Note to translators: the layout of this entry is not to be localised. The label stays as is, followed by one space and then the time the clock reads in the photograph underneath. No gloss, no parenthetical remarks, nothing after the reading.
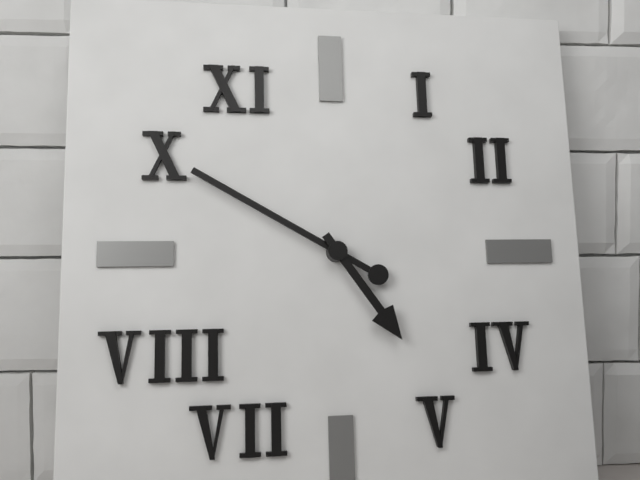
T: 4:50
